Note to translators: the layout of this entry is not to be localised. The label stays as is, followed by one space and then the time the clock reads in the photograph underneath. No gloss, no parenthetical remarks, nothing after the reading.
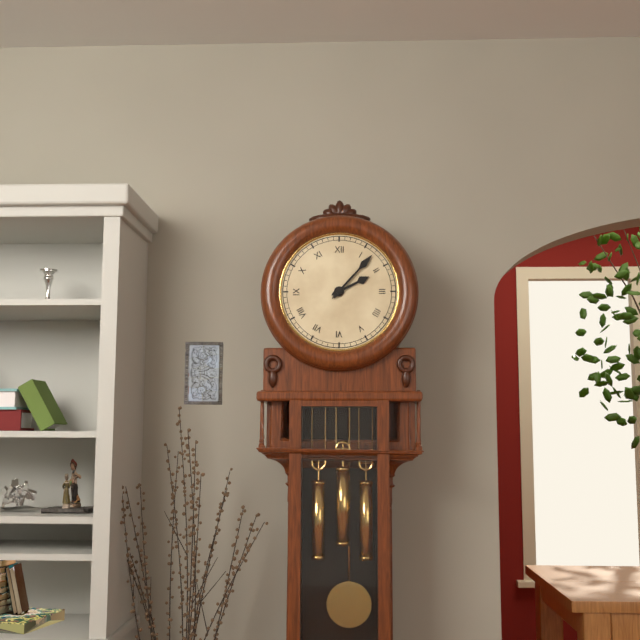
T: 2:07
